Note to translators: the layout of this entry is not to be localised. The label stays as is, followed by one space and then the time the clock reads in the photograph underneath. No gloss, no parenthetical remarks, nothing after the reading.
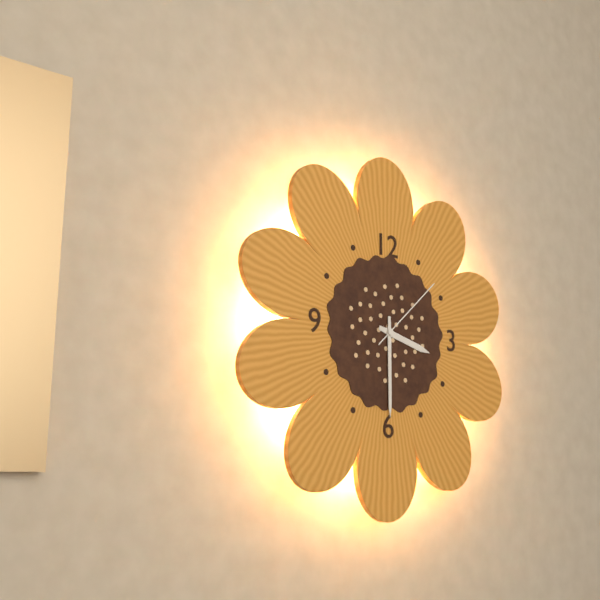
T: 3:30:08
